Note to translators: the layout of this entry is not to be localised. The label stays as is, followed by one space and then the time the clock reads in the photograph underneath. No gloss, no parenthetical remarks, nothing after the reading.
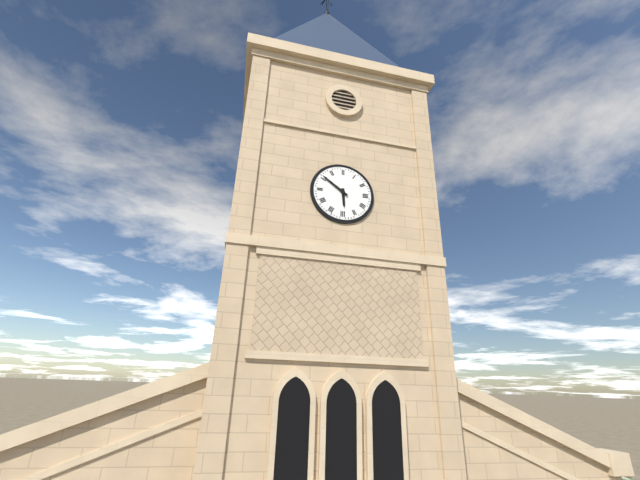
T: 5:51
